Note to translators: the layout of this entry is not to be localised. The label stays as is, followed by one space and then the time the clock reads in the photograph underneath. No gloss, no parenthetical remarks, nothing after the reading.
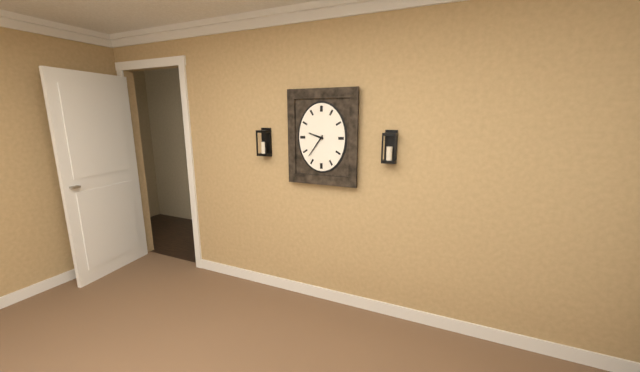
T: 9:36
